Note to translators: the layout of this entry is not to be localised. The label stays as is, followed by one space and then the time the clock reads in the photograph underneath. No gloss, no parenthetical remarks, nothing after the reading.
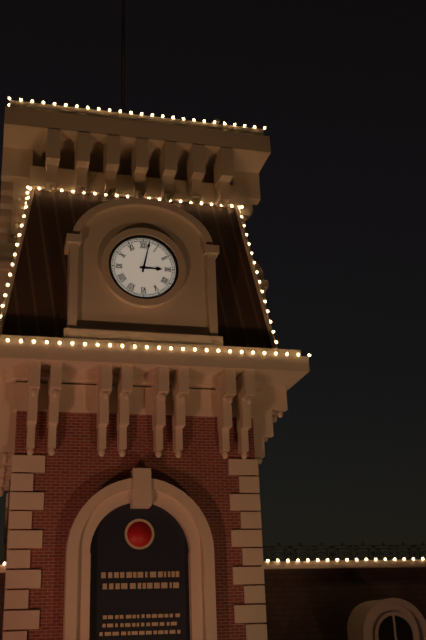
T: 3:02
